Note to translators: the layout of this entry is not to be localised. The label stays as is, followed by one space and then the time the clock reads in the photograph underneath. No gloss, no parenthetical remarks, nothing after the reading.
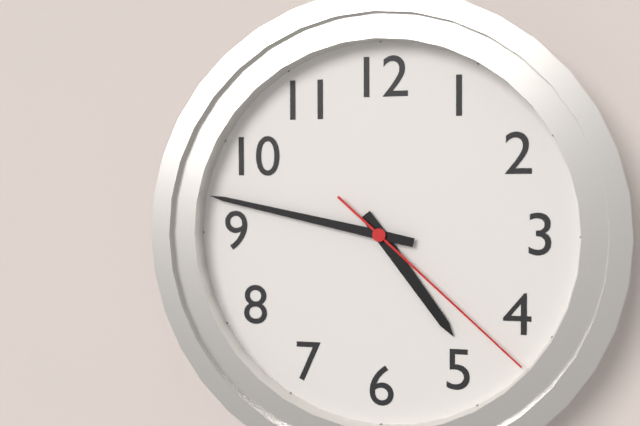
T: 4:47:22
